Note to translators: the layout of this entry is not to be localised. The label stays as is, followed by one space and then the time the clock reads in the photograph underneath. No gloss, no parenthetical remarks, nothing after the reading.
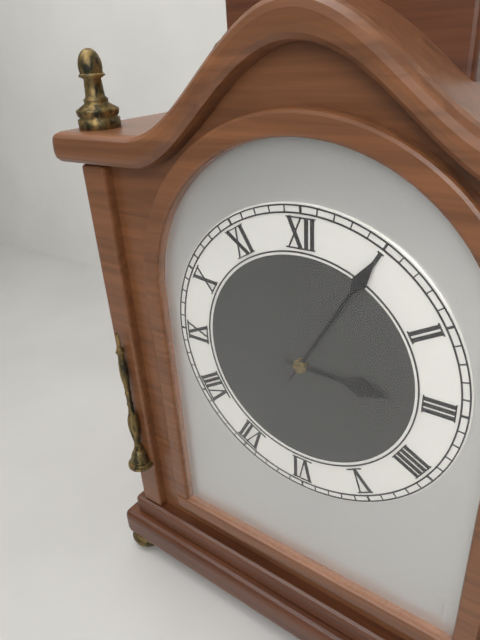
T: 3:05
